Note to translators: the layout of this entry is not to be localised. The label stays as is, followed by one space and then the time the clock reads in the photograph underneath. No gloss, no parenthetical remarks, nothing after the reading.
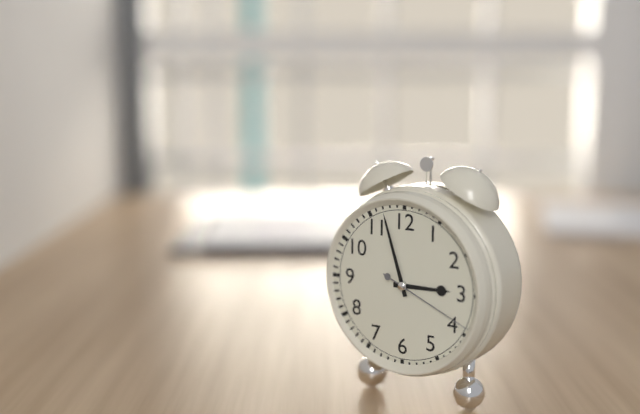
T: 2:57:19
